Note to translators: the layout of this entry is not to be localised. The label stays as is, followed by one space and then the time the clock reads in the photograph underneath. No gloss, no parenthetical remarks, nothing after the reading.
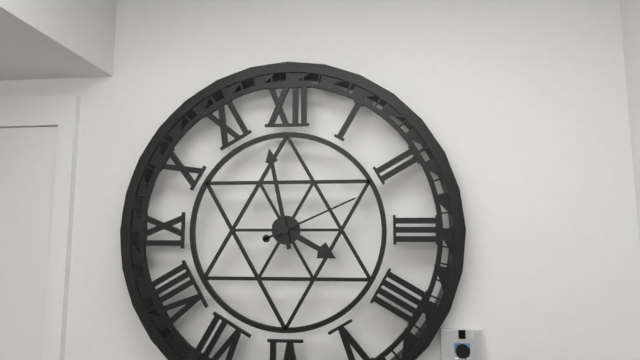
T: 3:58:11
